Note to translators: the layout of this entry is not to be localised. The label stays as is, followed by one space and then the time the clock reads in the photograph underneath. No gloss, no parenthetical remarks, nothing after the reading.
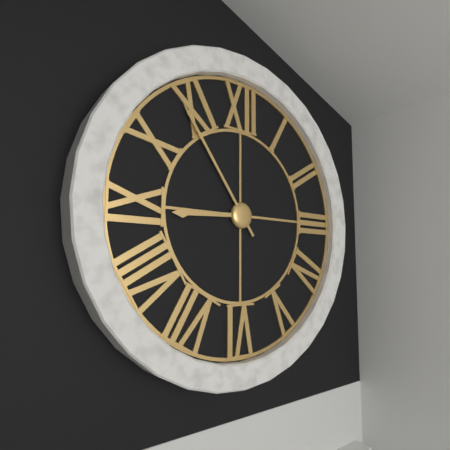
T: 8:54
